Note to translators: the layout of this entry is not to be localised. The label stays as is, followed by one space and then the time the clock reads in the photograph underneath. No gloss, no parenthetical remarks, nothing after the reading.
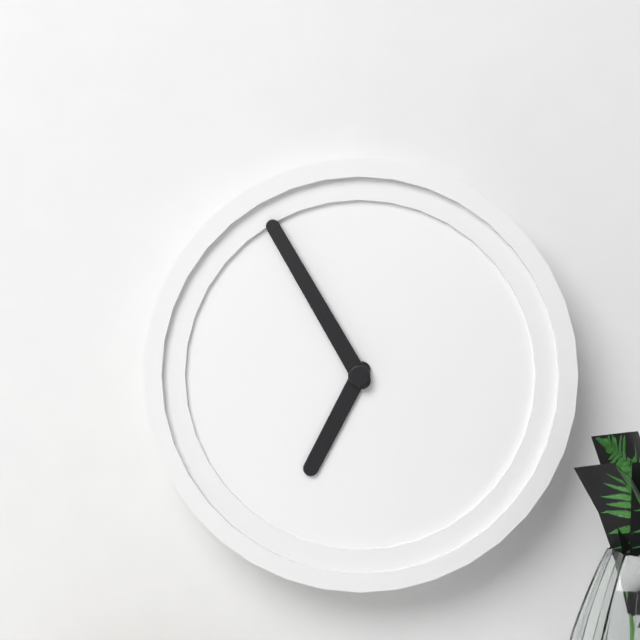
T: 6:55
